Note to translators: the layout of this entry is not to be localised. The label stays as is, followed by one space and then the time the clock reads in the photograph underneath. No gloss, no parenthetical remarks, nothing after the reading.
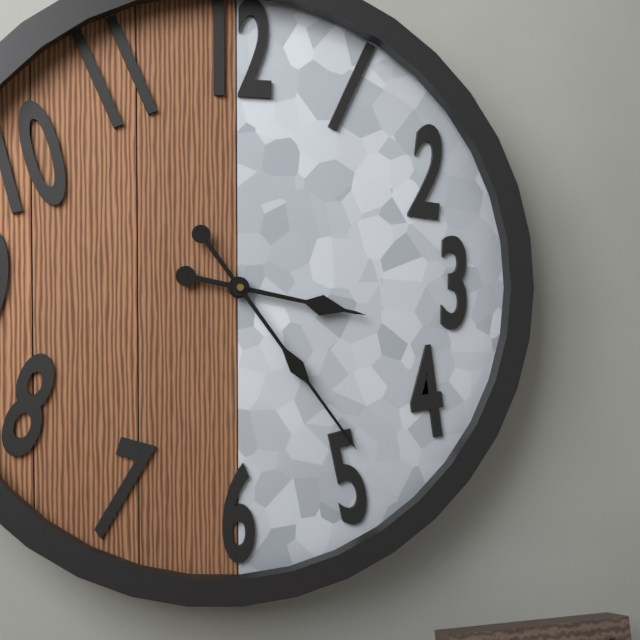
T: 3:24
